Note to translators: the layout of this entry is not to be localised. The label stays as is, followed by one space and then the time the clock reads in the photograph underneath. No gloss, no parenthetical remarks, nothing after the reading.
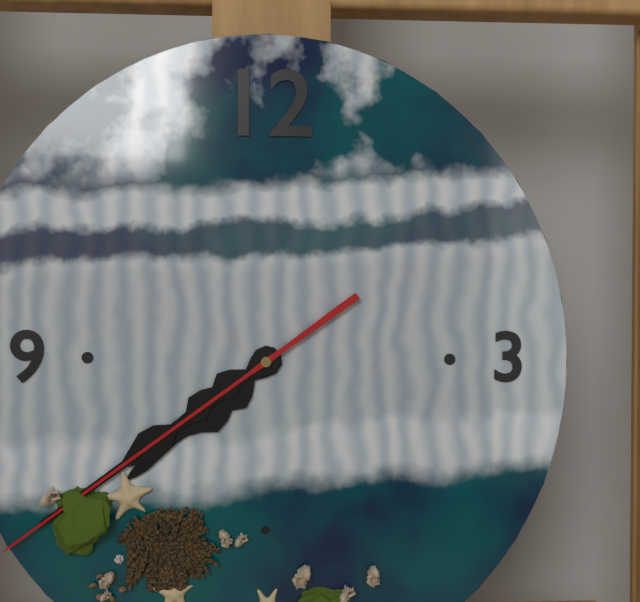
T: 7:39:39
